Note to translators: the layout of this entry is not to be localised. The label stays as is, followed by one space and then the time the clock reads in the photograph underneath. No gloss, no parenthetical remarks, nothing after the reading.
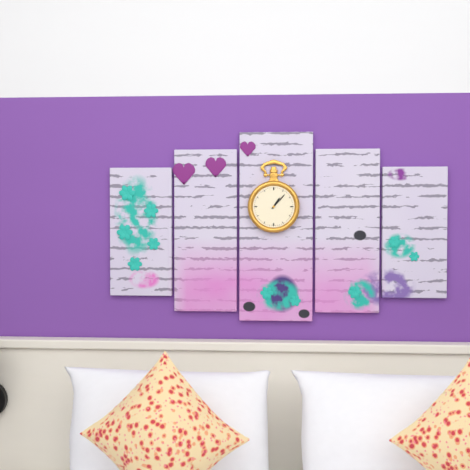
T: 1:07
